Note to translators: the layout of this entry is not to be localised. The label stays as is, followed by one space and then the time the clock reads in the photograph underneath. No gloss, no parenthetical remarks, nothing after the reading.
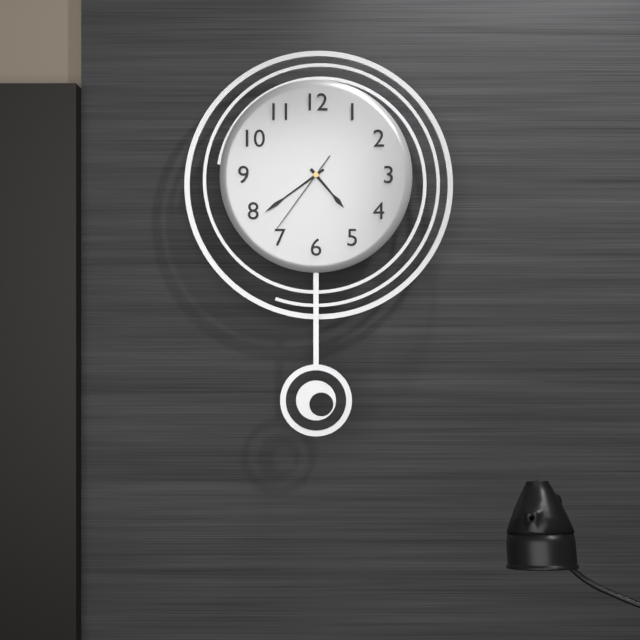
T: 4:39:36
